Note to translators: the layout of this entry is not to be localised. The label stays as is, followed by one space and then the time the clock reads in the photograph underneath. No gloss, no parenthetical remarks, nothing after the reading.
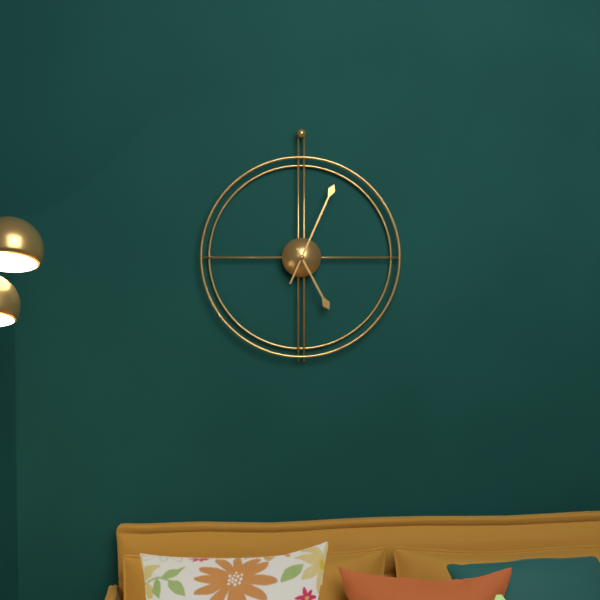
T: 5:04
